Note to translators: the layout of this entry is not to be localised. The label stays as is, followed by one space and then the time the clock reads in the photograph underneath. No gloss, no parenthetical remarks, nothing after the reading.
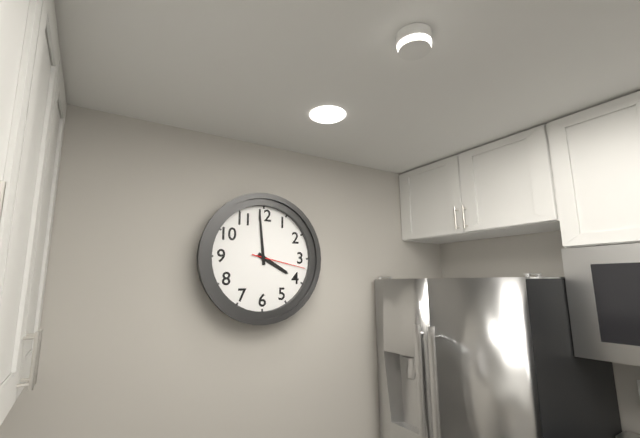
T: 3:59:17
